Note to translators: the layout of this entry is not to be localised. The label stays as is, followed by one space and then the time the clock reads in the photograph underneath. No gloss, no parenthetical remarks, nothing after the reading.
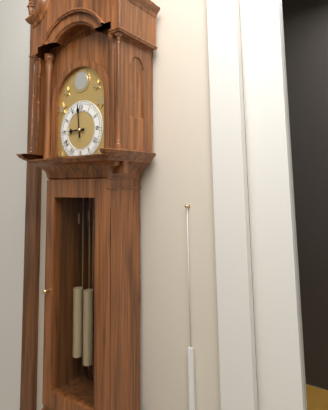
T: 8:59
